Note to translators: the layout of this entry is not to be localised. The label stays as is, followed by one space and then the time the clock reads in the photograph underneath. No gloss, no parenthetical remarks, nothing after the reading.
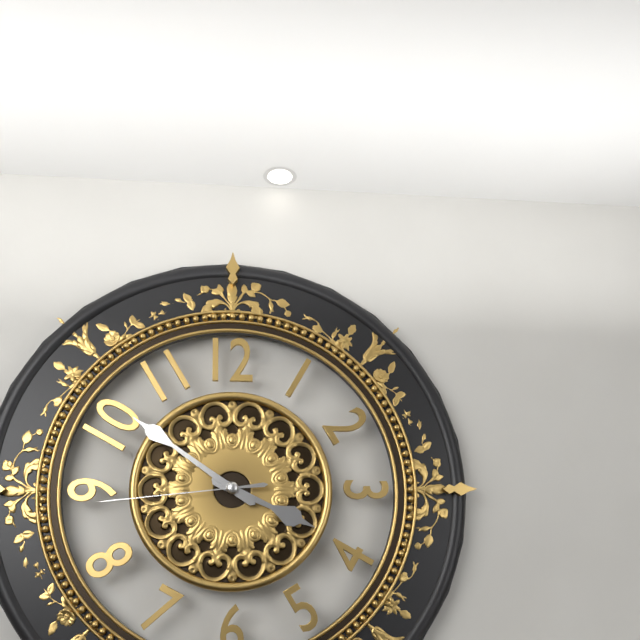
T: 3:51:44
